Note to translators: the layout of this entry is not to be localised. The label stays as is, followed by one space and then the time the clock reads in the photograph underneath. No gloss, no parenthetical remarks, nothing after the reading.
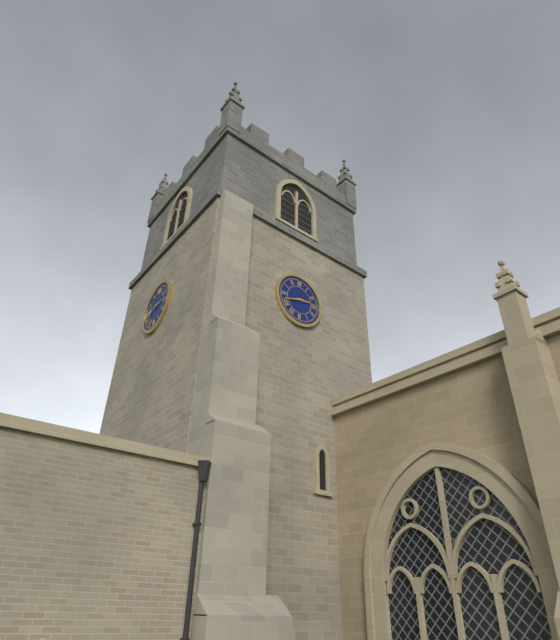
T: 2:42
